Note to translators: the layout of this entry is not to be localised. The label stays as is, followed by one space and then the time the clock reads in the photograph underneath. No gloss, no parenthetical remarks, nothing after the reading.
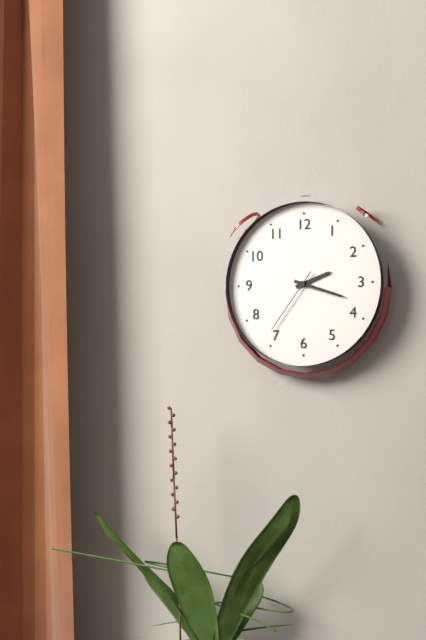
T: 2:18:36
